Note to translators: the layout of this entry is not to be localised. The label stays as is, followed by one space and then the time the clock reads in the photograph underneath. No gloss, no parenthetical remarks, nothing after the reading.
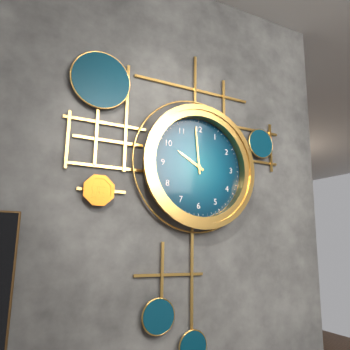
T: 9:59
